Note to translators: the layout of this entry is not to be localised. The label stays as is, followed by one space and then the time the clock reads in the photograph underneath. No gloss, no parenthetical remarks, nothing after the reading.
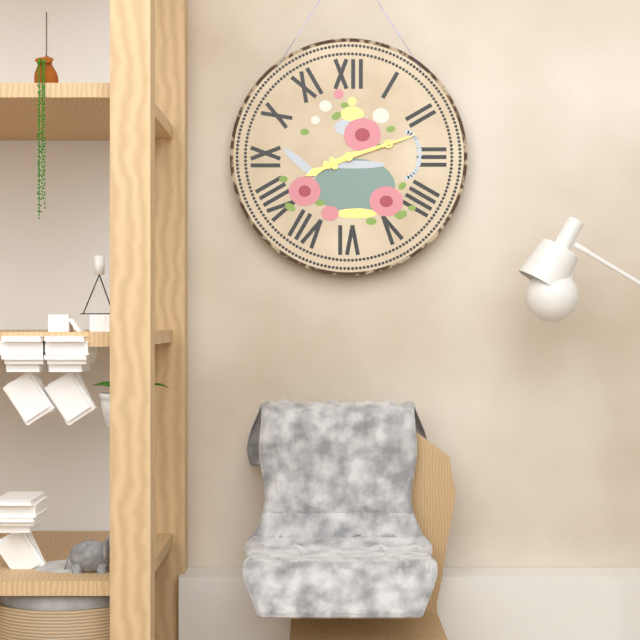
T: 8:12
